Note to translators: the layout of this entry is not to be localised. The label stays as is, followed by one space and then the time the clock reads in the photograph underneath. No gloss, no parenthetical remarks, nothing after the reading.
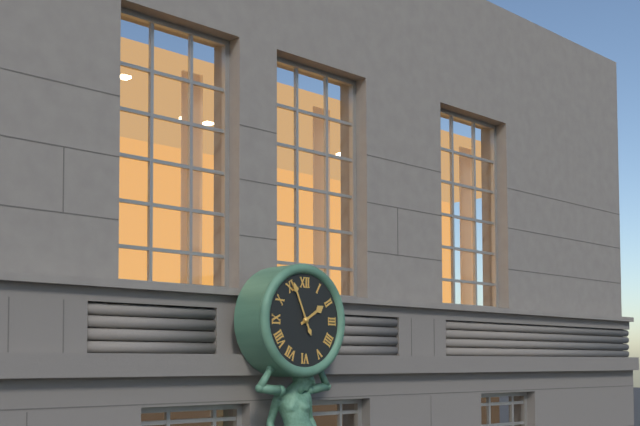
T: 1:56
